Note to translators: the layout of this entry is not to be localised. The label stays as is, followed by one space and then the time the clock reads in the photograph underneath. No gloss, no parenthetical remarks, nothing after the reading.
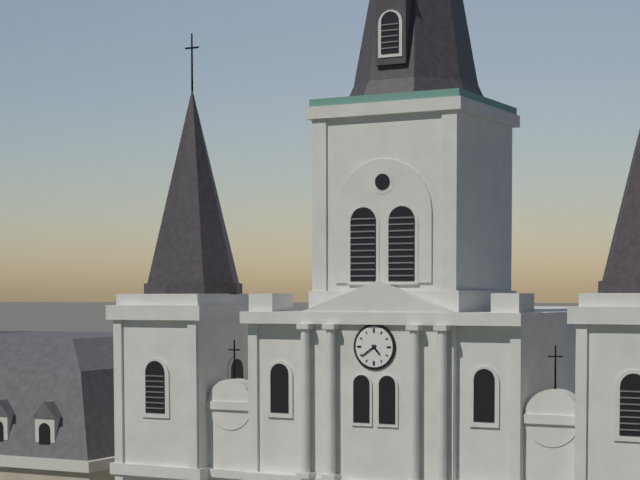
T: 4:39
